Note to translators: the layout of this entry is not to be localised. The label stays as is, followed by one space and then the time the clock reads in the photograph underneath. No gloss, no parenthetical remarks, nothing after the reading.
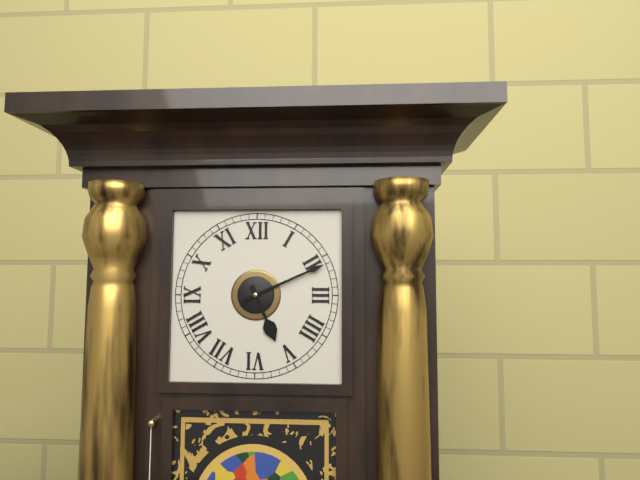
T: 5:11
